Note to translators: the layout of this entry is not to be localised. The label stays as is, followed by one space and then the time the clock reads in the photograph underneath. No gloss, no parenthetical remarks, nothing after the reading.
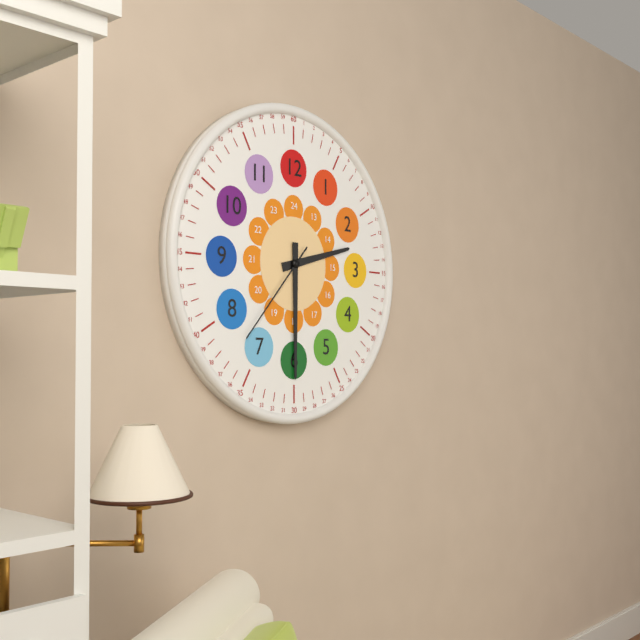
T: 2:30:37
